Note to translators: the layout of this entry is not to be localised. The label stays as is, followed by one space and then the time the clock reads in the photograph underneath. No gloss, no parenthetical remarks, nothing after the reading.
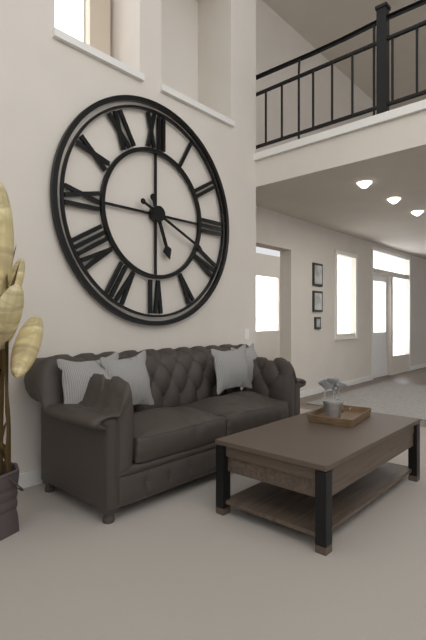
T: 5:19
